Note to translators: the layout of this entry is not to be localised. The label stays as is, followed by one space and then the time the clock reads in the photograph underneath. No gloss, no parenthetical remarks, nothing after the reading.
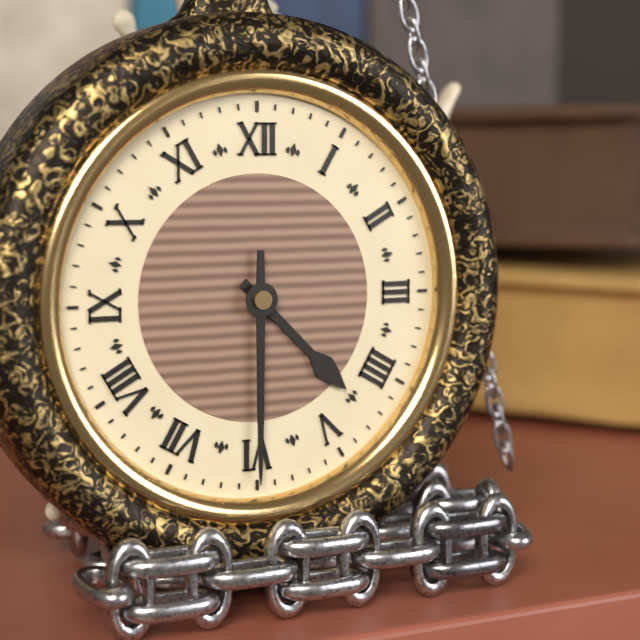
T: 4:30
